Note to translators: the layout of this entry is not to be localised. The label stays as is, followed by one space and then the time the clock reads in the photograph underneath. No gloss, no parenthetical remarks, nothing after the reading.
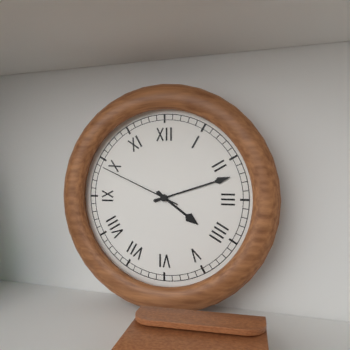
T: 4:12:49
